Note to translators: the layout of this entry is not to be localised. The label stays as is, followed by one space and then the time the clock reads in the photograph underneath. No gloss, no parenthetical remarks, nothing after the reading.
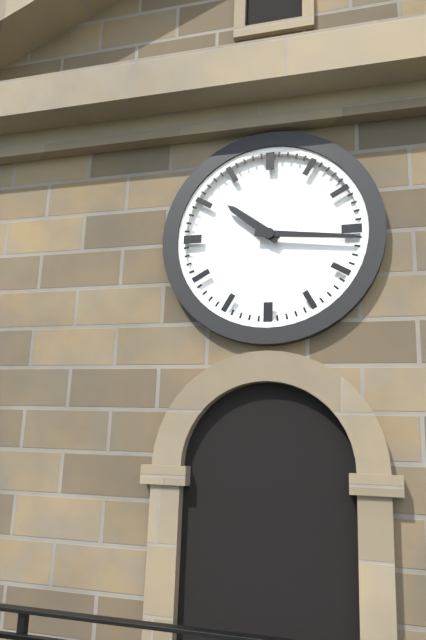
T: 10:16
